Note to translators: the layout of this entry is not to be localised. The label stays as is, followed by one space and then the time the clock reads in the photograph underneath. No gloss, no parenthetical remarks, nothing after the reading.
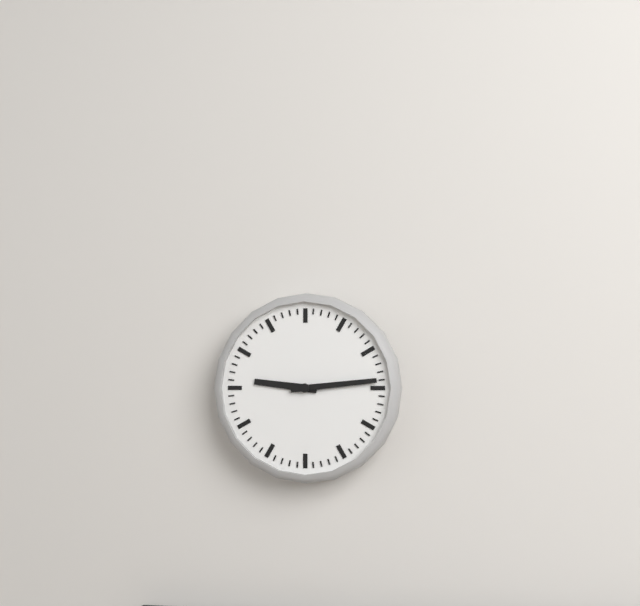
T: 9:14
